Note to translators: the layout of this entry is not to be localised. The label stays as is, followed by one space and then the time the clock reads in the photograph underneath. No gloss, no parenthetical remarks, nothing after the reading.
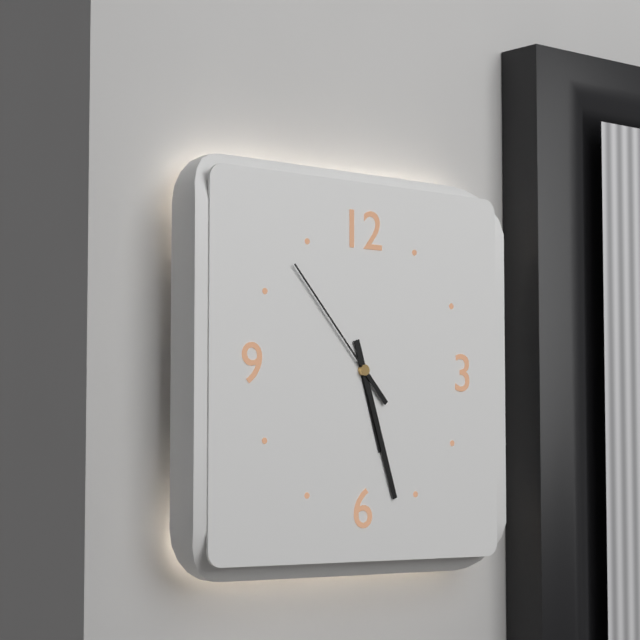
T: 5:27:53
